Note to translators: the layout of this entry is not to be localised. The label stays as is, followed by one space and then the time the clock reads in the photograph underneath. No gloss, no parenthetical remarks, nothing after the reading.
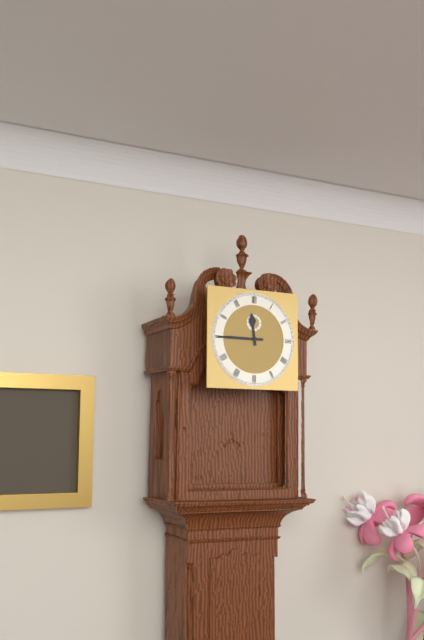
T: 11:45
